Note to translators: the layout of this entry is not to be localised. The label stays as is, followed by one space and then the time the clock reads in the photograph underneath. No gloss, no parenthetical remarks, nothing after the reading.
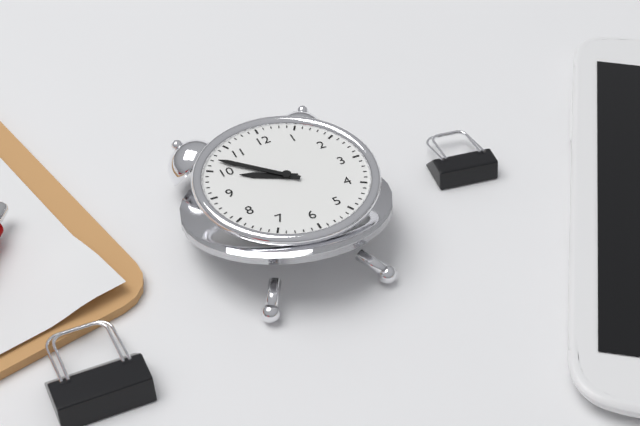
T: 9:52
